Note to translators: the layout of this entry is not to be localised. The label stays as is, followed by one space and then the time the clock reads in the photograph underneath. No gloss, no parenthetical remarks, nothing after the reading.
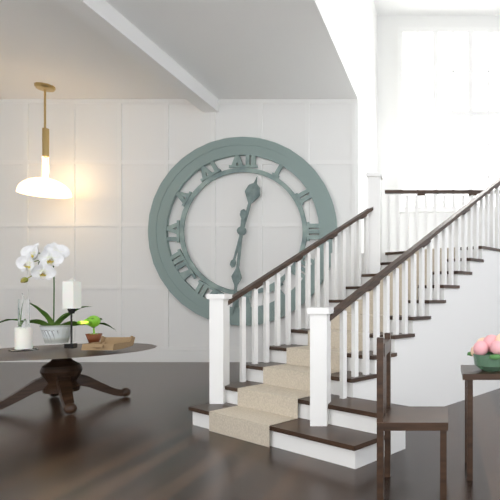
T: 12:31
